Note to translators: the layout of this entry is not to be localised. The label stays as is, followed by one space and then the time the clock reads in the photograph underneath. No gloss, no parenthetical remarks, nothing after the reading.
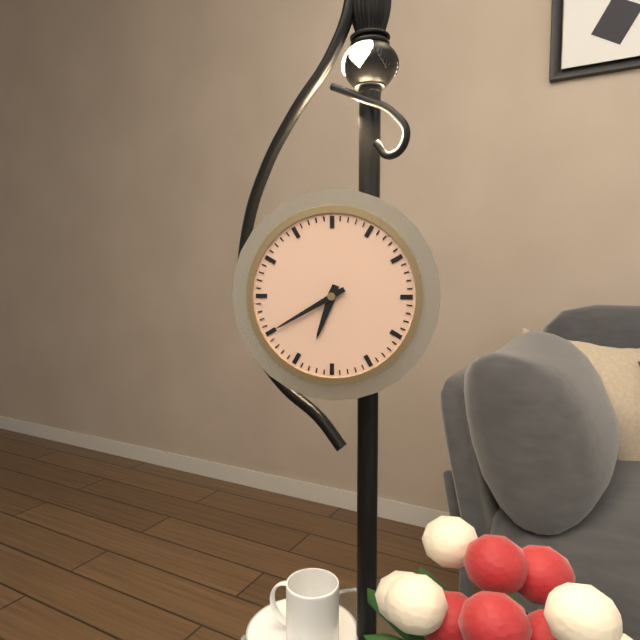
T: 6:40
